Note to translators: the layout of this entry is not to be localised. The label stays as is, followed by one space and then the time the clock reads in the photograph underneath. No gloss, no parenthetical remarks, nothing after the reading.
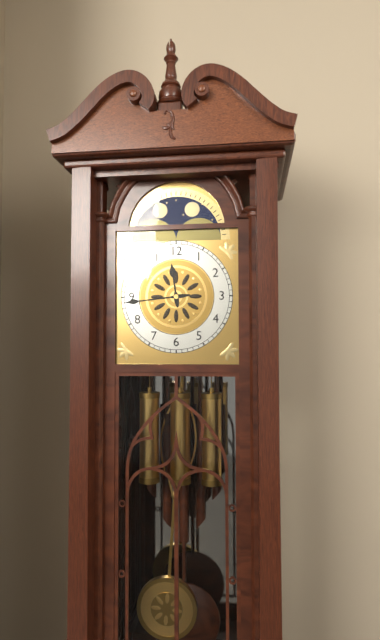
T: 11:44
